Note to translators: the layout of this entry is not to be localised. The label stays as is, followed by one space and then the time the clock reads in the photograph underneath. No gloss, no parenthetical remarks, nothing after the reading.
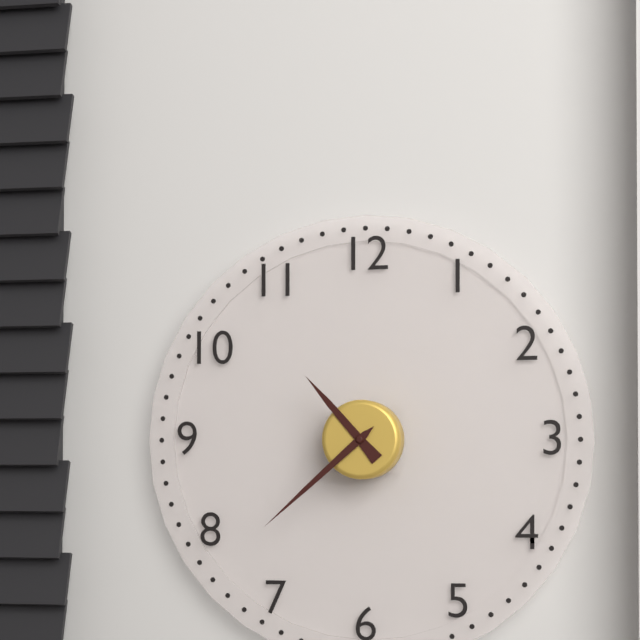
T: 10:38
